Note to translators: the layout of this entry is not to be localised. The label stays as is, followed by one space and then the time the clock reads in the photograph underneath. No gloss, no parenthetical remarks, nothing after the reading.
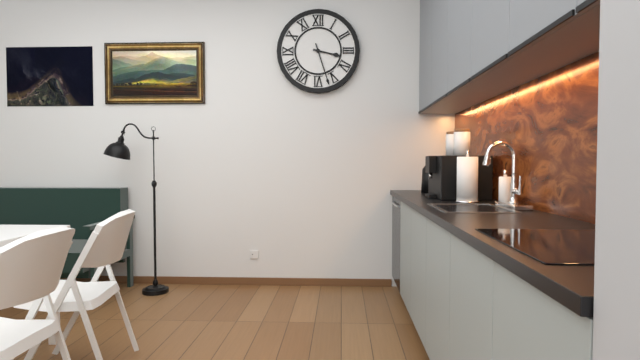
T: 3:27
